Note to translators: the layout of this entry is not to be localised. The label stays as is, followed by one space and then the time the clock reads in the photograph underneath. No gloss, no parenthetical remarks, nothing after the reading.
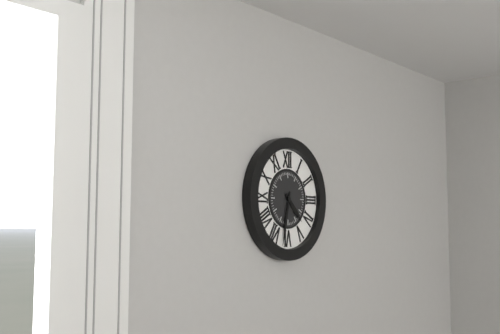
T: 4:32
